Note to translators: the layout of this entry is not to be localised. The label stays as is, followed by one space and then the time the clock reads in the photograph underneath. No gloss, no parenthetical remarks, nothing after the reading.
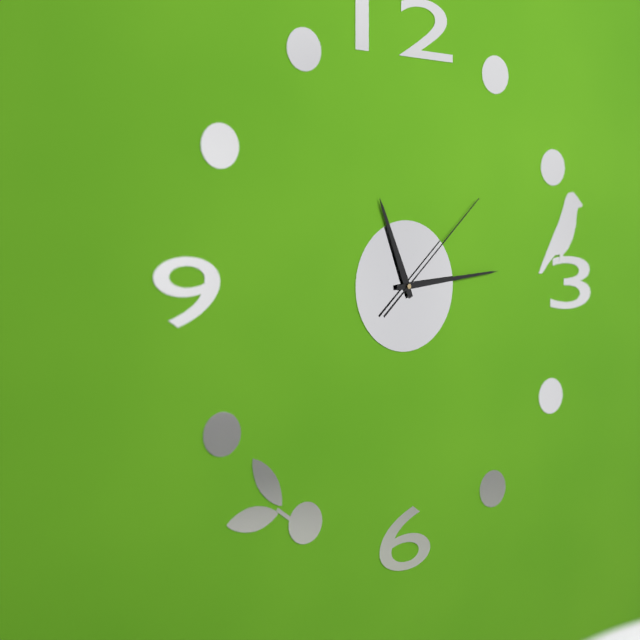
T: 11:14:08
